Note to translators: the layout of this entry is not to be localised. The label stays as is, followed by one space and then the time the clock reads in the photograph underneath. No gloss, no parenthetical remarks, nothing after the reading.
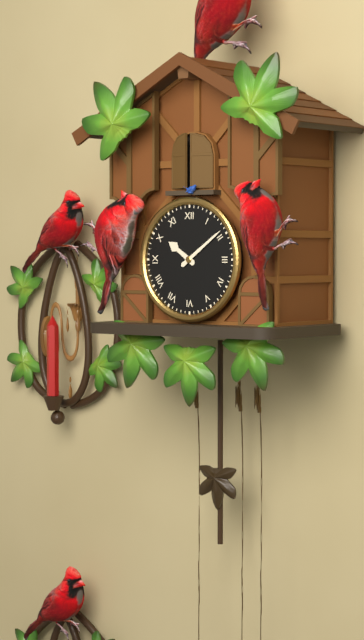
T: 10:09
